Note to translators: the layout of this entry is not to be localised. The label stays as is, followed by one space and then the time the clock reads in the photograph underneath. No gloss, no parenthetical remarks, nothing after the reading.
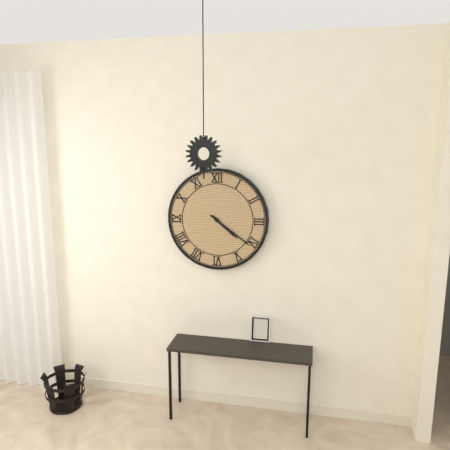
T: 4:21
